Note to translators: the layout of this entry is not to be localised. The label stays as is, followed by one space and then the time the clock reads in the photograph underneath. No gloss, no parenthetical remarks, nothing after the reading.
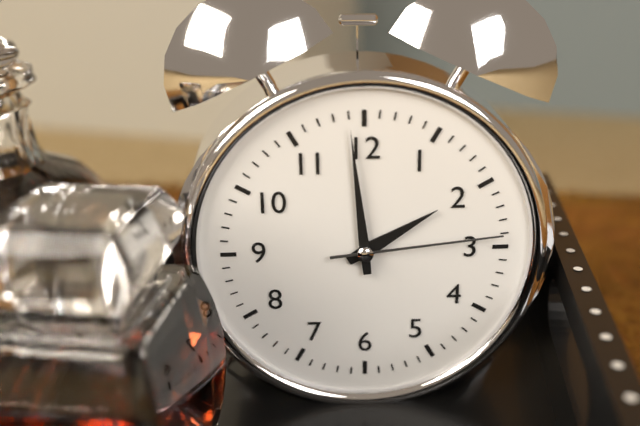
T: 1:59:14
